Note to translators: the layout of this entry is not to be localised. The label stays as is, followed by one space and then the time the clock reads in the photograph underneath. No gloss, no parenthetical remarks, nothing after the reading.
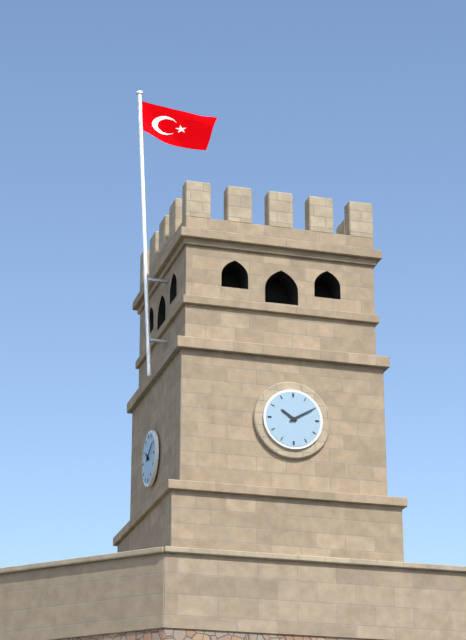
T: 10:10
